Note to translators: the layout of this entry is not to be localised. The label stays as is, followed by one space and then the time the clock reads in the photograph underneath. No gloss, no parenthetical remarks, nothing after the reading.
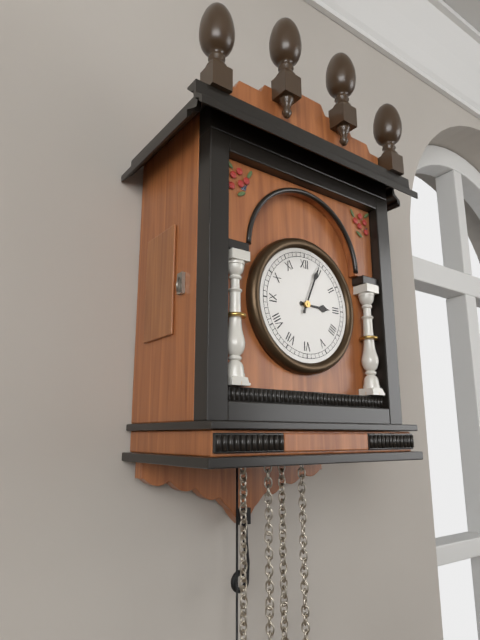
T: 3:04
